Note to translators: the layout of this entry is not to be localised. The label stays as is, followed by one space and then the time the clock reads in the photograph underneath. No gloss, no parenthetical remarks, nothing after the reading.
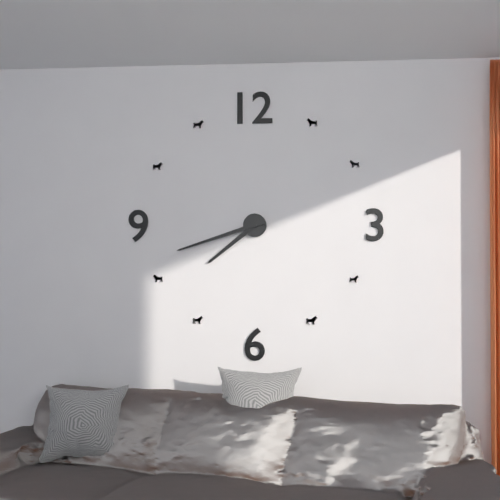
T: 7:42
